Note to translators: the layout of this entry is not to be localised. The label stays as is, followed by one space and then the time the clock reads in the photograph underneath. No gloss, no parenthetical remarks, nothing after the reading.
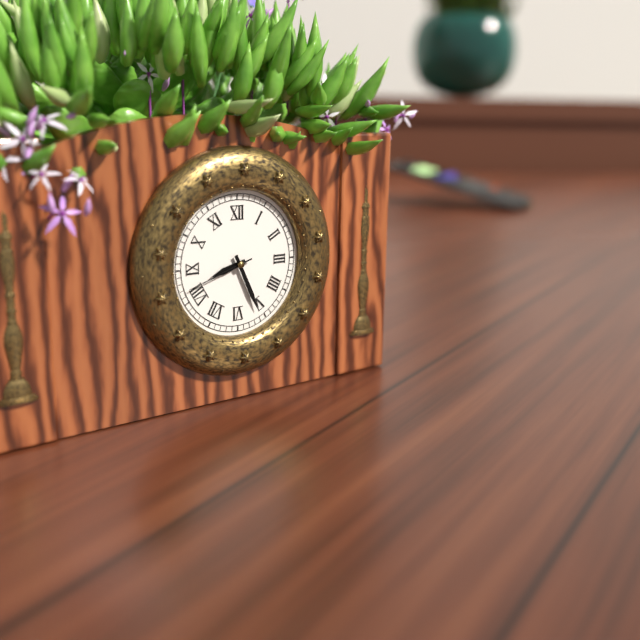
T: 8:26:42
